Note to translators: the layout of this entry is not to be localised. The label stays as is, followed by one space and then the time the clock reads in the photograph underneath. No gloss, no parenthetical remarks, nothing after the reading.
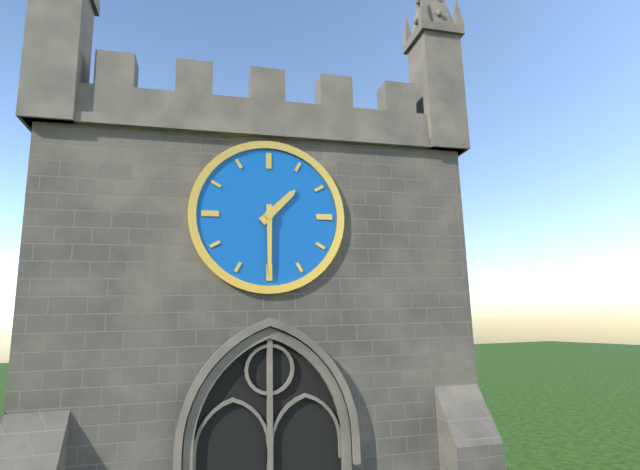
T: 1:30
